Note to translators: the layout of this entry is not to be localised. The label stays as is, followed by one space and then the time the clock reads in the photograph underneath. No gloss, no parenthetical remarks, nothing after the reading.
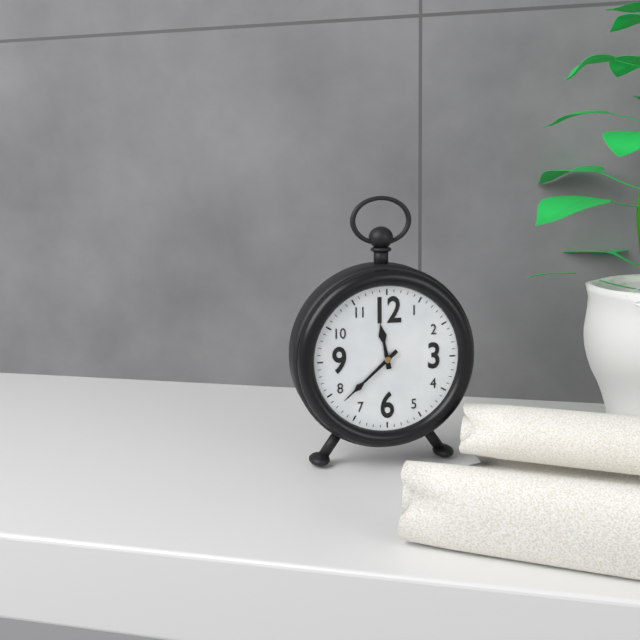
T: 11:38
